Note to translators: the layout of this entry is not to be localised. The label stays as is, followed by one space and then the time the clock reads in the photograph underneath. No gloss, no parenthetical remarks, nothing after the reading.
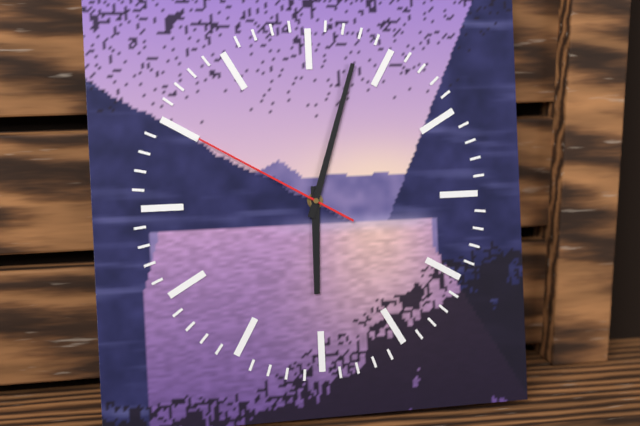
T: 6:03:50
